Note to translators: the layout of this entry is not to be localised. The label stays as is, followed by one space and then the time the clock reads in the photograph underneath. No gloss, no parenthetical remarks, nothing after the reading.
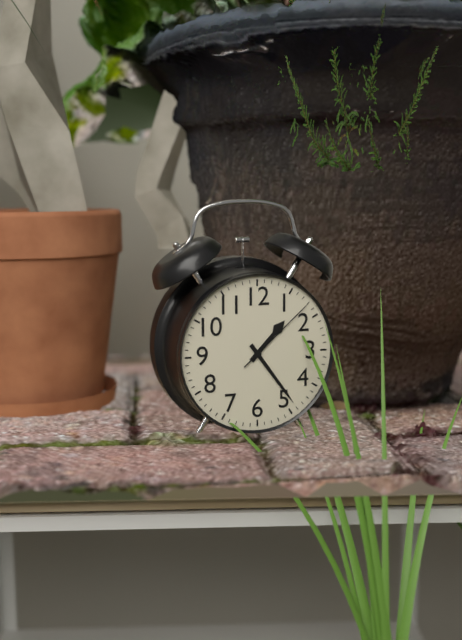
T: 1:24:08
